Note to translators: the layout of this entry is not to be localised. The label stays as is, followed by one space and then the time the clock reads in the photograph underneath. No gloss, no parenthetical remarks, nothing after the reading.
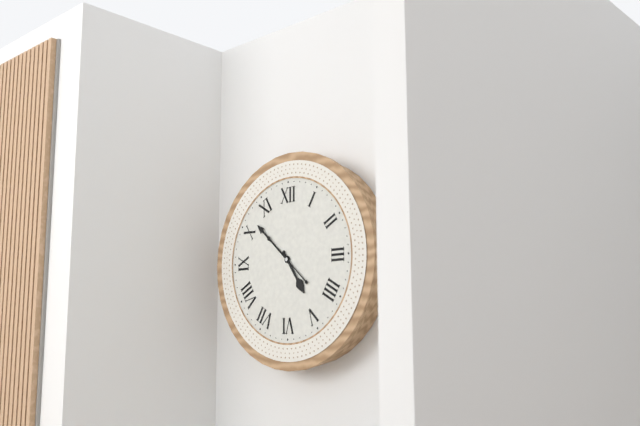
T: 4:52
